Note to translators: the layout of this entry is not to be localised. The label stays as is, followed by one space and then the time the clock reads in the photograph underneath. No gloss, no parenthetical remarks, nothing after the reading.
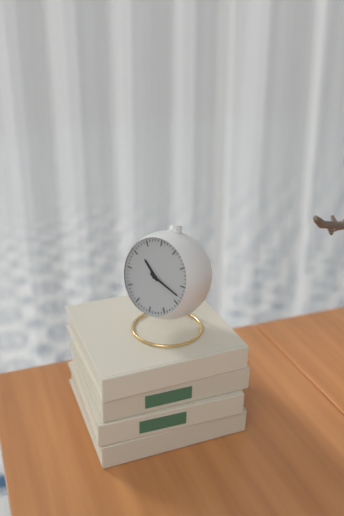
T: 10:18
